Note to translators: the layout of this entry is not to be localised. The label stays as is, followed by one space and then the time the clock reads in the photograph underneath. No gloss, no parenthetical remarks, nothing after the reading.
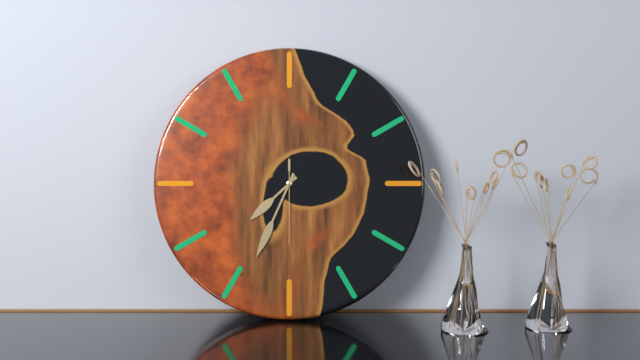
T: 7:34:30
